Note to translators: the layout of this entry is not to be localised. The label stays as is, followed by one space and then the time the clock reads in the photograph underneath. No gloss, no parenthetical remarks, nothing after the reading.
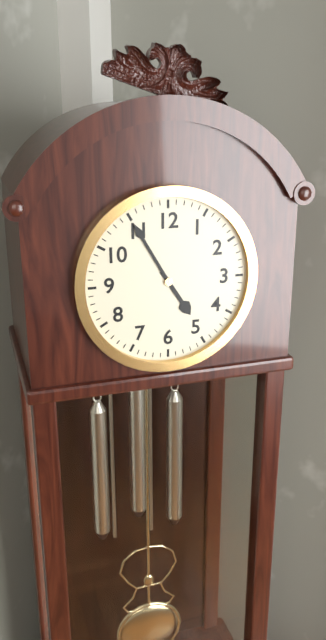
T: 4:55
